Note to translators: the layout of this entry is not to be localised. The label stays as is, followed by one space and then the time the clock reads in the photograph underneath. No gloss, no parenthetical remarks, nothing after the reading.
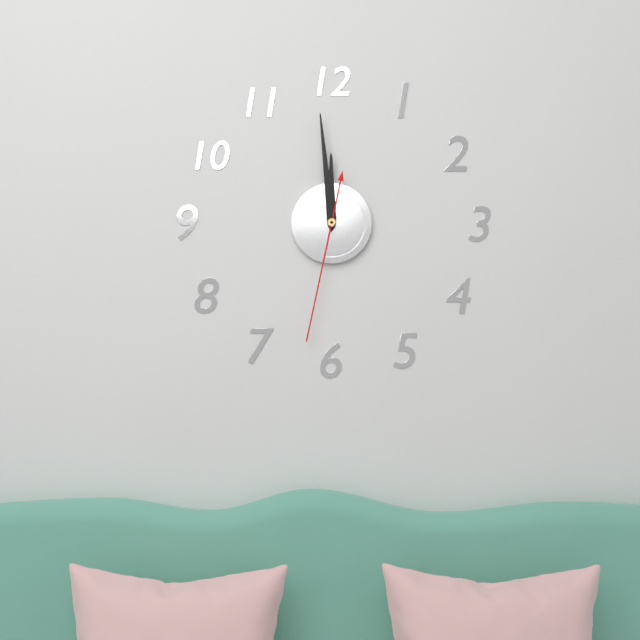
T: 11:59:32
